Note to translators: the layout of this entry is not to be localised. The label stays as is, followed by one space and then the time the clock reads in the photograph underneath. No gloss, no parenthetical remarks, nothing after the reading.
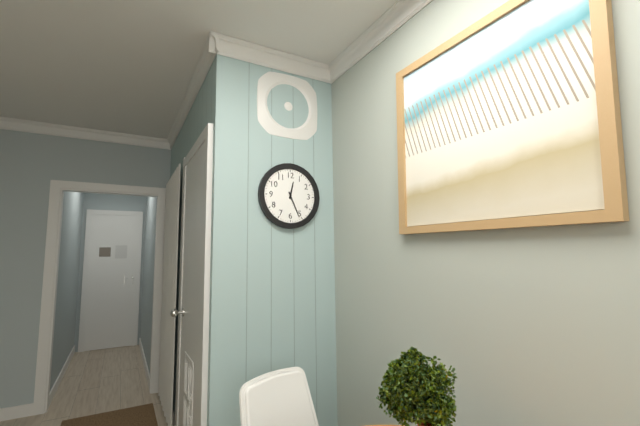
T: 12:26
